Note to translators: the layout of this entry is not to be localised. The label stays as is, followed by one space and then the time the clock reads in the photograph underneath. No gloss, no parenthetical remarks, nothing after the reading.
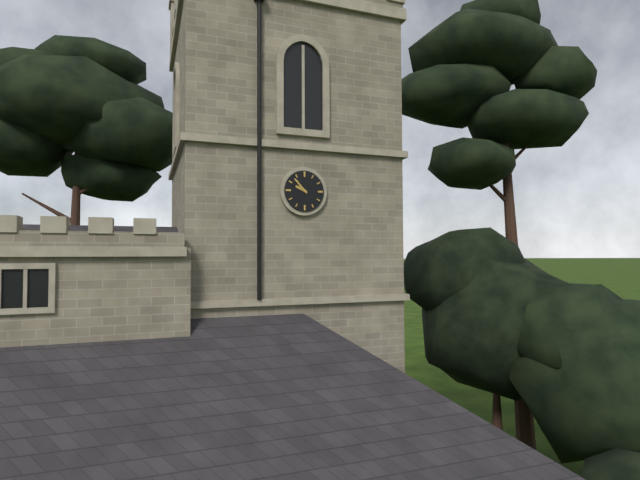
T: 9:53
